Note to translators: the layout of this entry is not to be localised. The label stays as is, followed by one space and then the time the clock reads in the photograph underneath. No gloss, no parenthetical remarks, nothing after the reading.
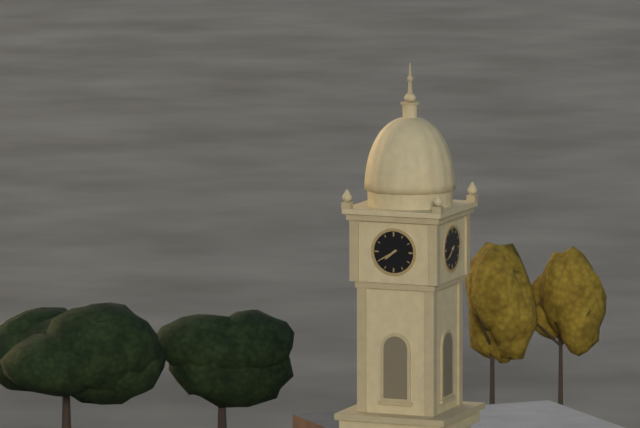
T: 7:40
